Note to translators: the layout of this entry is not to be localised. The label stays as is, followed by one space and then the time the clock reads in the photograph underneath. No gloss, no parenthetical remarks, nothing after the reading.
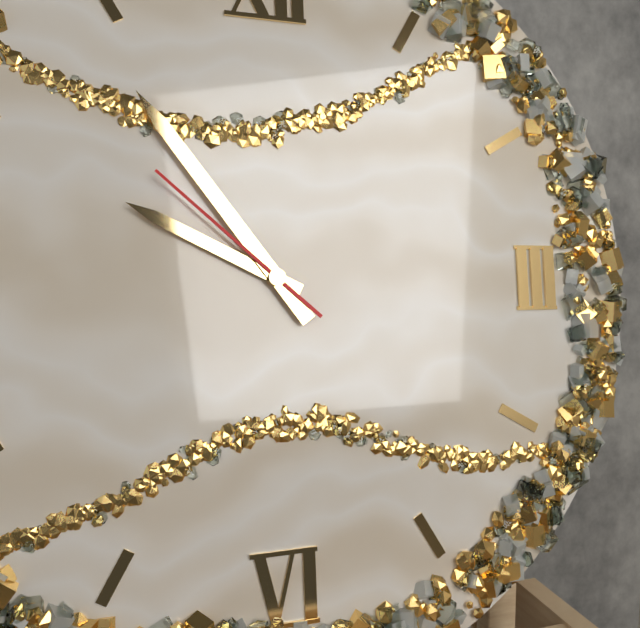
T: 9:54:52
